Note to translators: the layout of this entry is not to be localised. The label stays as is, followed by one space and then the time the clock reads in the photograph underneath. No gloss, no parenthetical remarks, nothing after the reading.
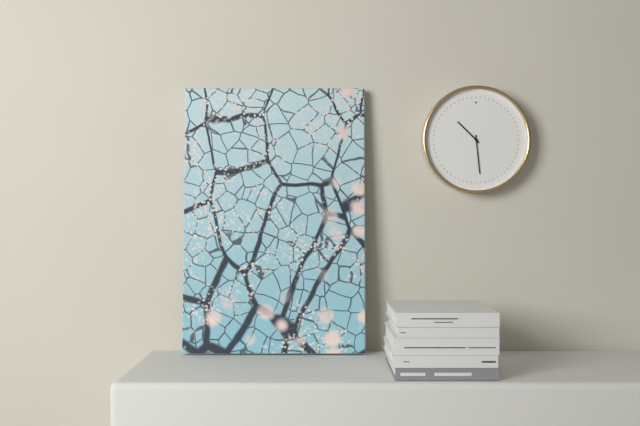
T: 10:29
